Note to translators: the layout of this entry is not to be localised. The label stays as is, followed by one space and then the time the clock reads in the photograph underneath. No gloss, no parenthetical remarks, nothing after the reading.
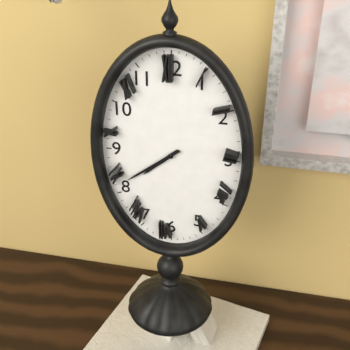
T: 7:39
